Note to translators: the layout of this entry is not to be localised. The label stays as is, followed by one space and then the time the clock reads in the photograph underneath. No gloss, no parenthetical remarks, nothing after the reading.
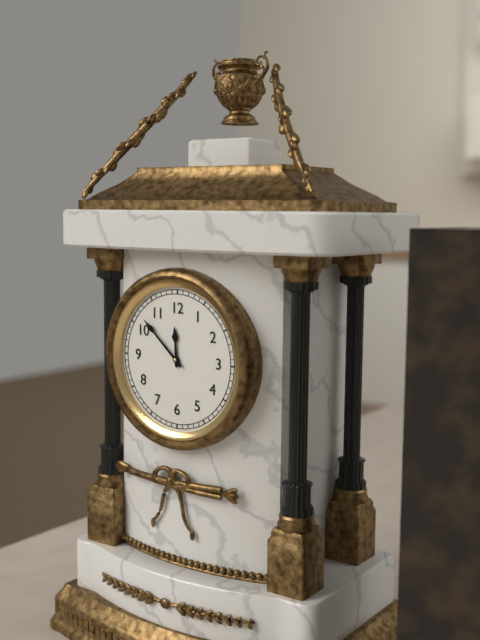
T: 11:52
